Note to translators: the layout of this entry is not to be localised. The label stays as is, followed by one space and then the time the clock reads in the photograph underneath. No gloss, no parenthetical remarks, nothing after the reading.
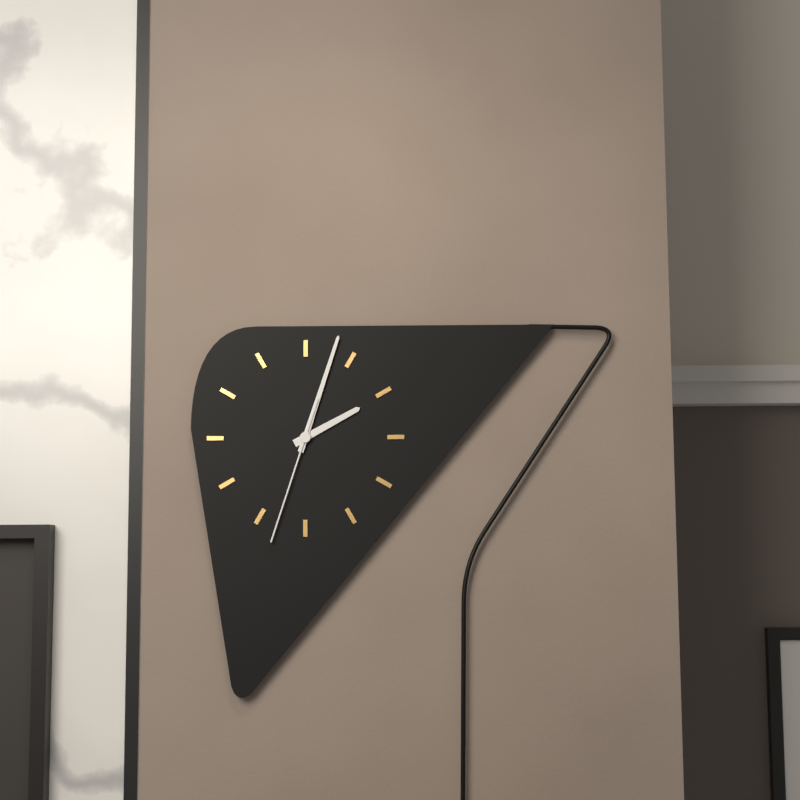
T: 2:03:33
